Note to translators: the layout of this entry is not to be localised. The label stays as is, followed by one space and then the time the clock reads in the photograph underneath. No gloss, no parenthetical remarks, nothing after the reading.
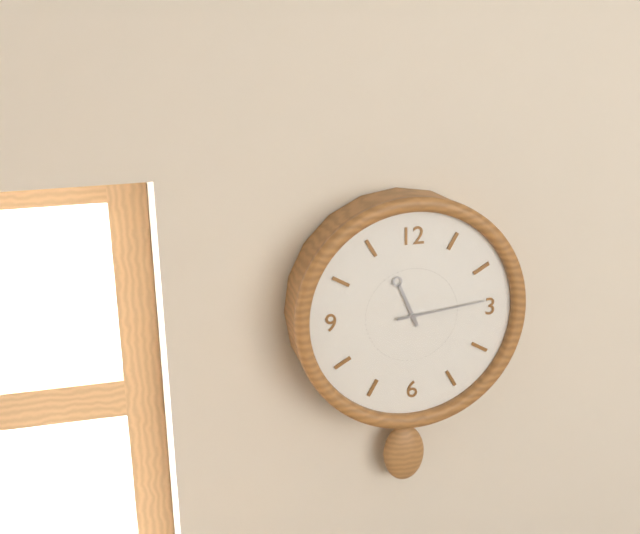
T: 11:14
